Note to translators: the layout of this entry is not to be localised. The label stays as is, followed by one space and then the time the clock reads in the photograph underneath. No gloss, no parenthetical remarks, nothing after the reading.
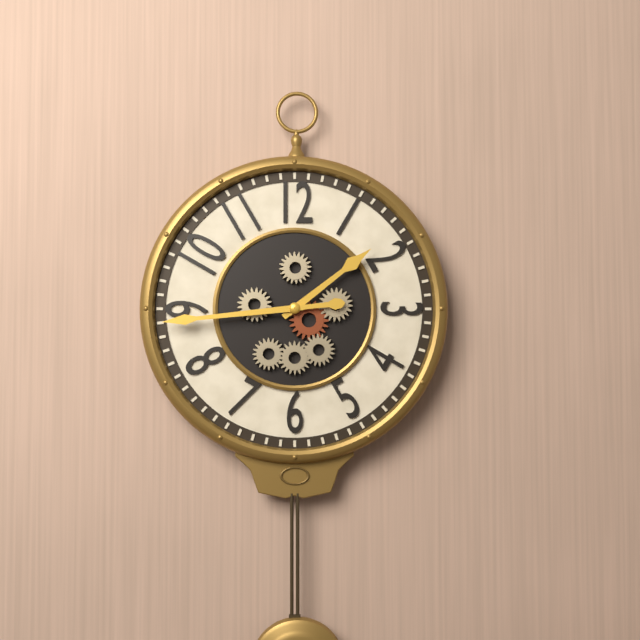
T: 1:44
